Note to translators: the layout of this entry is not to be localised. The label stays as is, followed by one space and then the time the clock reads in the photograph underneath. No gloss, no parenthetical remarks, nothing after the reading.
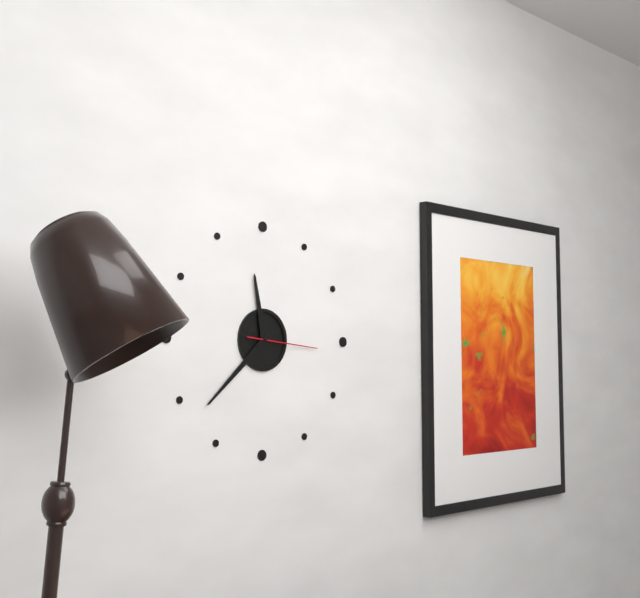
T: 11:38:16
